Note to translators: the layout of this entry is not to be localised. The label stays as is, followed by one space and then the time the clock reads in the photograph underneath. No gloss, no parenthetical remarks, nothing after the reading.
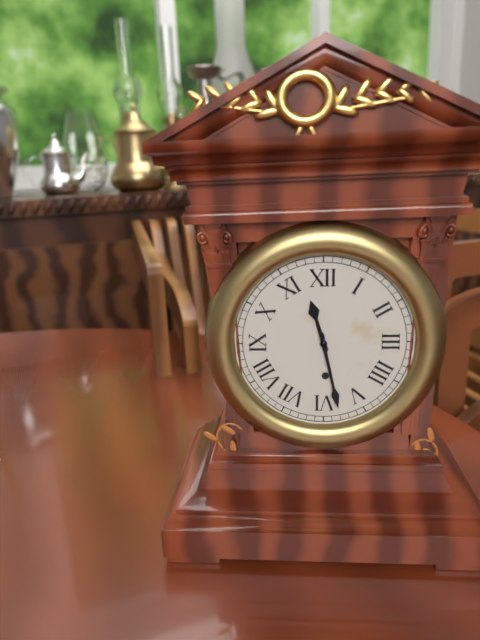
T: 11:28
